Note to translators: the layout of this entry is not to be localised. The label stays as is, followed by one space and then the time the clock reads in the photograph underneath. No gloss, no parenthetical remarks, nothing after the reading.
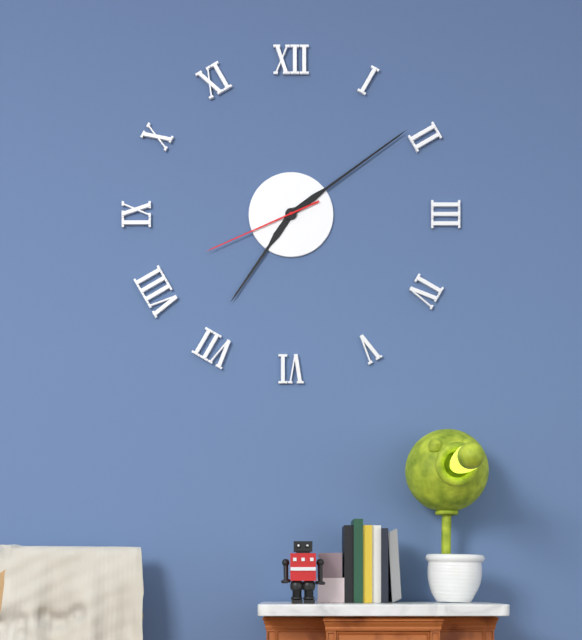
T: 7:09:41
